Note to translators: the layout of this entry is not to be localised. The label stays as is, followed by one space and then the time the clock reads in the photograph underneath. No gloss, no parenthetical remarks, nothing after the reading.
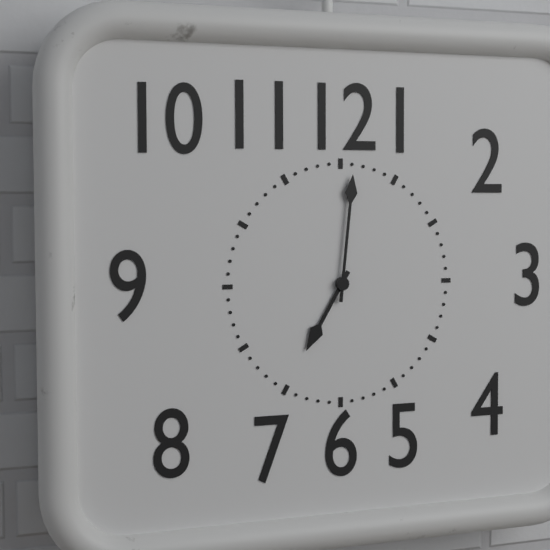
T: 7:01
